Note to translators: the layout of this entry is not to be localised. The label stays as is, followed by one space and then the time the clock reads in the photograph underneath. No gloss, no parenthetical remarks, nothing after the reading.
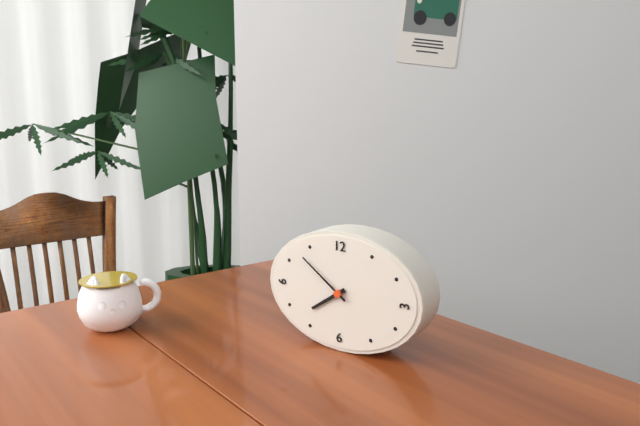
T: 7:51
